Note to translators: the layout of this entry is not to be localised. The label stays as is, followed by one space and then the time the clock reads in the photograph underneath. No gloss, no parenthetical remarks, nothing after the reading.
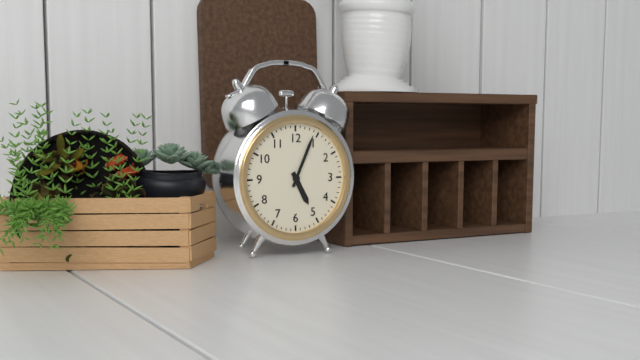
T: 5:04
